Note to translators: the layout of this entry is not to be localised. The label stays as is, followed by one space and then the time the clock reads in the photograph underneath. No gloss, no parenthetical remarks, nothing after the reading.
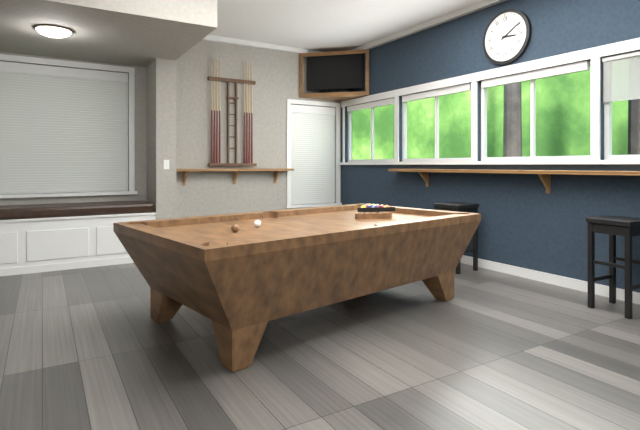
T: 3:10
